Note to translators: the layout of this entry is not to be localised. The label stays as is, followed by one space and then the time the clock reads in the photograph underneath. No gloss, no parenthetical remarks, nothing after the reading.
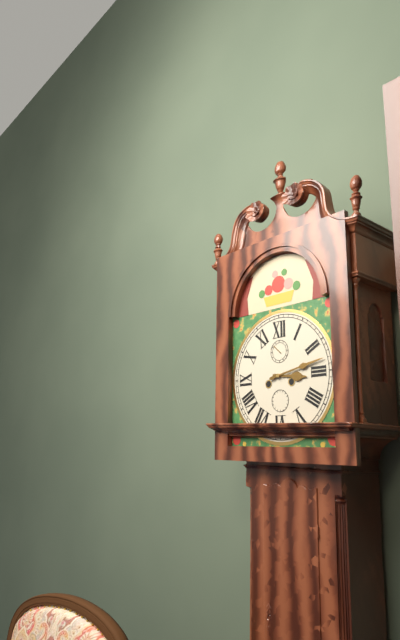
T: 3:13
